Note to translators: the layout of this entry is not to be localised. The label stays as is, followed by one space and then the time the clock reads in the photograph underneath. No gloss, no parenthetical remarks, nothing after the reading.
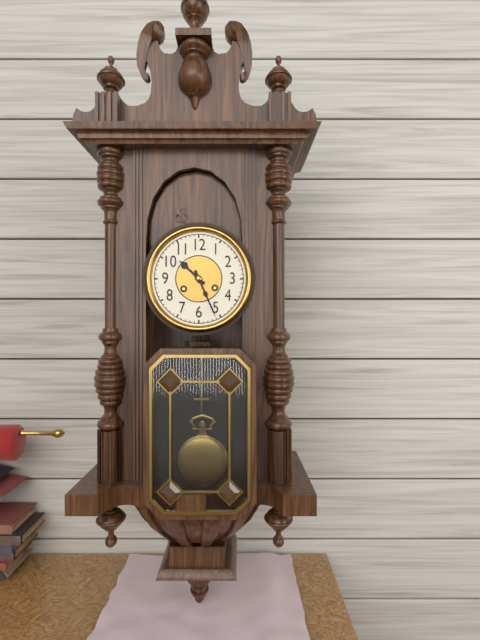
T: 10:26
